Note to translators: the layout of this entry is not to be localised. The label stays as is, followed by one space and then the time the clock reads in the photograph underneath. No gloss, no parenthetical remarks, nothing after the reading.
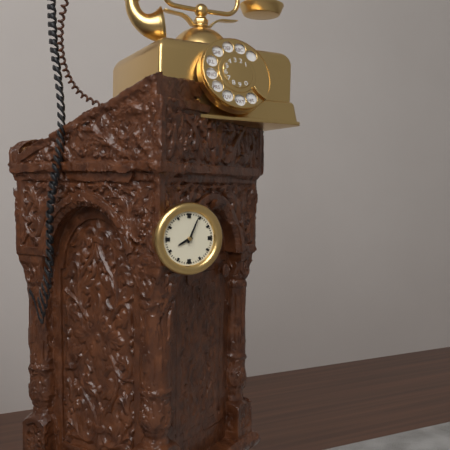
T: 8:04
